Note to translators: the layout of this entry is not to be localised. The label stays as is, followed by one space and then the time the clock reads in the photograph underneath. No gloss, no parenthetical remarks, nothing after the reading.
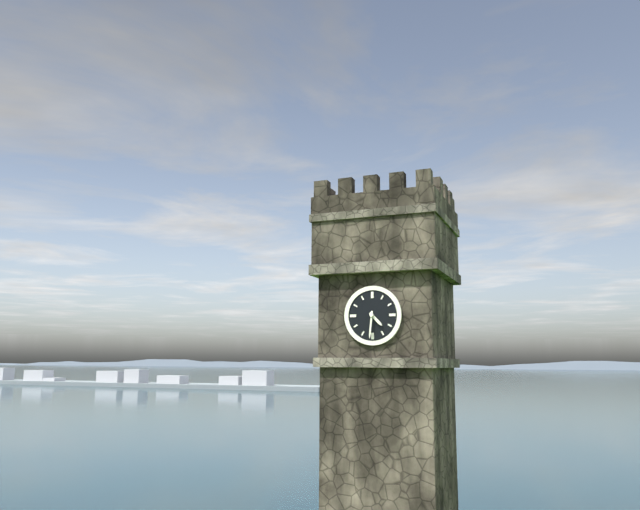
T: 4:31
